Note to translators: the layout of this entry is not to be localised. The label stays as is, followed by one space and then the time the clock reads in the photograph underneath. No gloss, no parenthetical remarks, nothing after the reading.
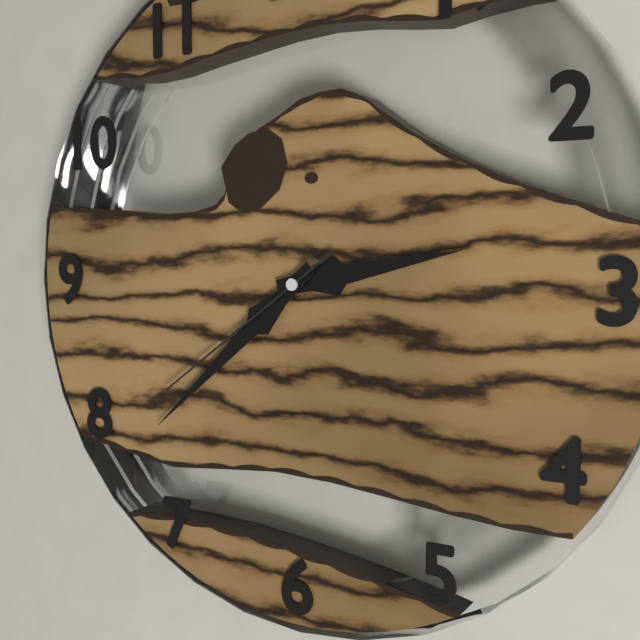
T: 2:38:39
